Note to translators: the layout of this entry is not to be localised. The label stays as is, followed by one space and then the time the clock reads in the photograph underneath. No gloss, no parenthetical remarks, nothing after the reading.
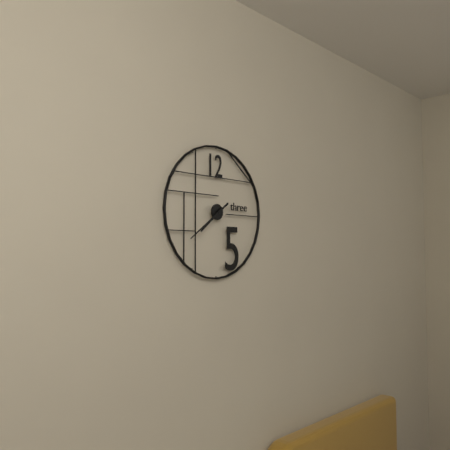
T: 7:39
